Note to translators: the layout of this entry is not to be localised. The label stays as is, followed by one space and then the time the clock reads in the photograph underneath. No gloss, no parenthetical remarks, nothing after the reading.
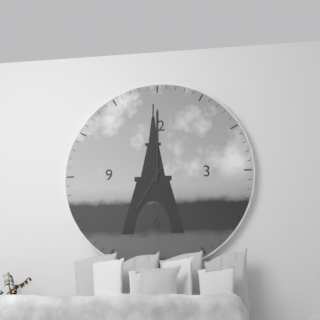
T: 7:00
